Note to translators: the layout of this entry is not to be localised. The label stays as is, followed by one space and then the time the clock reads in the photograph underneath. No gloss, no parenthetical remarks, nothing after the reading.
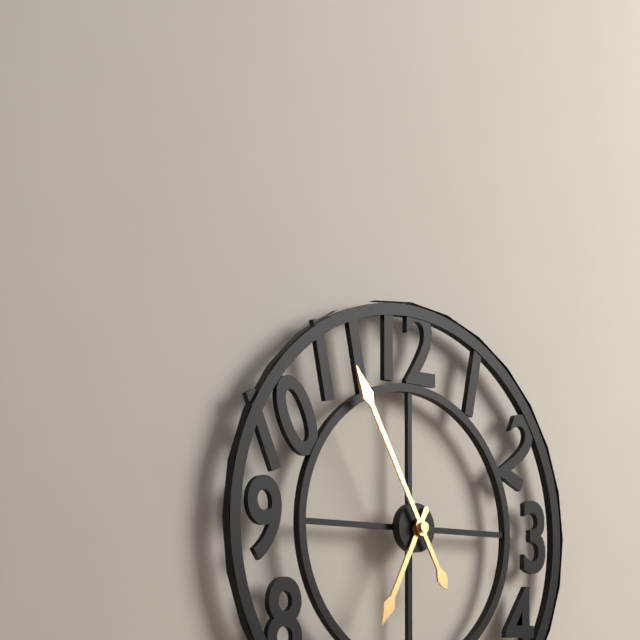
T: 6:55
